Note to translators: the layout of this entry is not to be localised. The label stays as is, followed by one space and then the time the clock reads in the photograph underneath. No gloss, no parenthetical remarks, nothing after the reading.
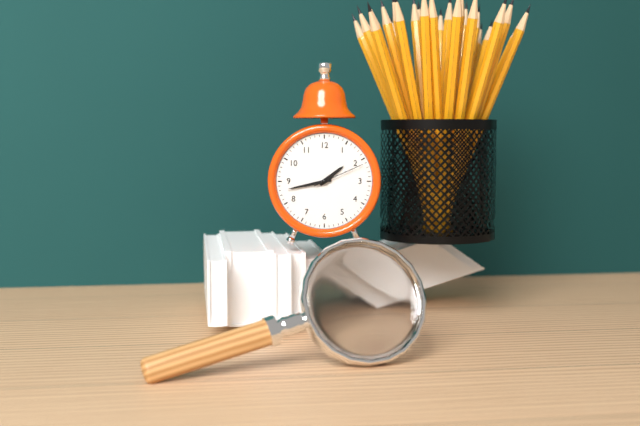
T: 1:43:11
